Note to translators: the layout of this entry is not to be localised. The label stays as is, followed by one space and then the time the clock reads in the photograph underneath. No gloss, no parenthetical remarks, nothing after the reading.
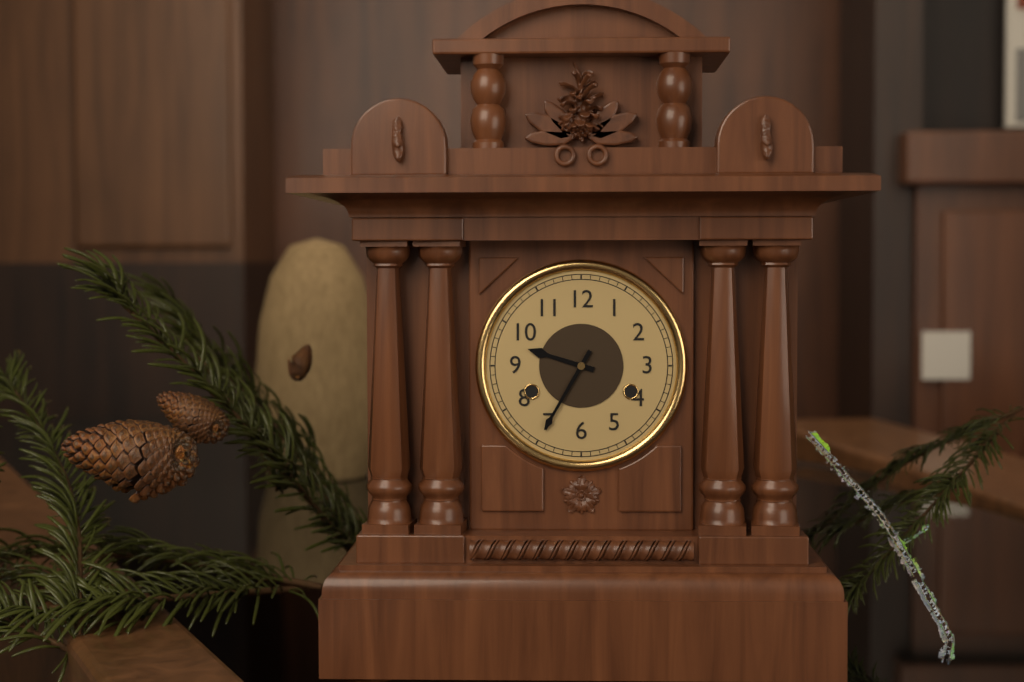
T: 9:35
